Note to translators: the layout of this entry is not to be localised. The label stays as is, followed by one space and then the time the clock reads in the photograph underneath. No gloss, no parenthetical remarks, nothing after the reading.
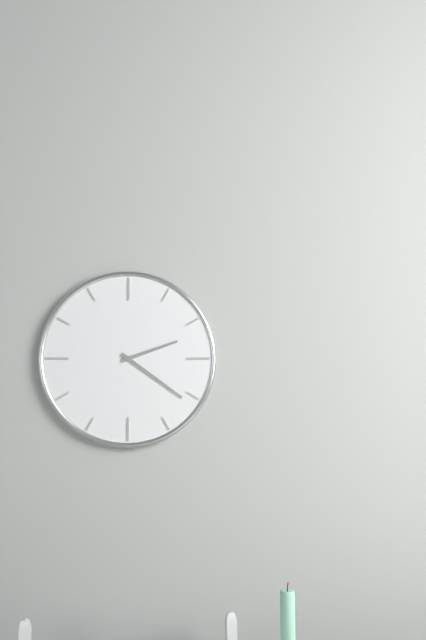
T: 2:21
